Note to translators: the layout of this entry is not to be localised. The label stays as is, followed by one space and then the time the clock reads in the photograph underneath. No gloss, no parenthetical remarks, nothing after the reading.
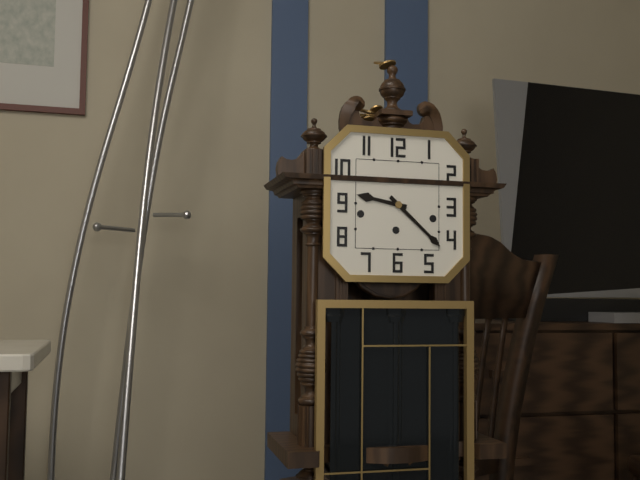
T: 9:22
